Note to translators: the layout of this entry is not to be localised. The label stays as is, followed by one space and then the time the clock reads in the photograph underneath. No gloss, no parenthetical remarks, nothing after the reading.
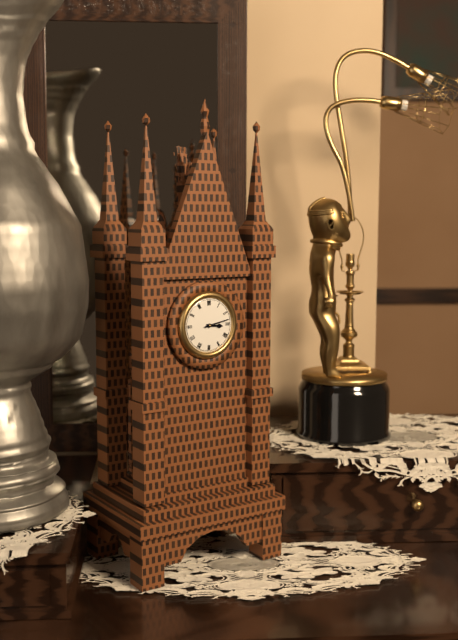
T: 3:13
